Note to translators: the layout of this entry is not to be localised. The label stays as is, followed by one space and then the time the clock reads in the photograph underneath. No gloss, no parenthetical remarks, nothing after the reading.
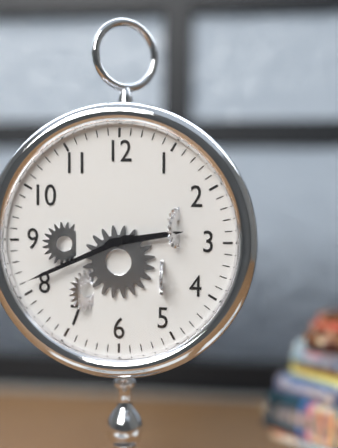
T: 2:41
